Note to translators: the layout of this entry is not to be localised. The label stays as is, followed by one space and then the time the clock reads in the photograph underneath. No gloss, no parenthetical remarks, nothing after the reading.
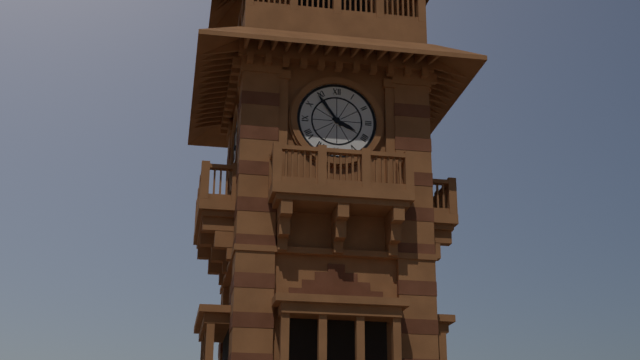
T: 3:54
